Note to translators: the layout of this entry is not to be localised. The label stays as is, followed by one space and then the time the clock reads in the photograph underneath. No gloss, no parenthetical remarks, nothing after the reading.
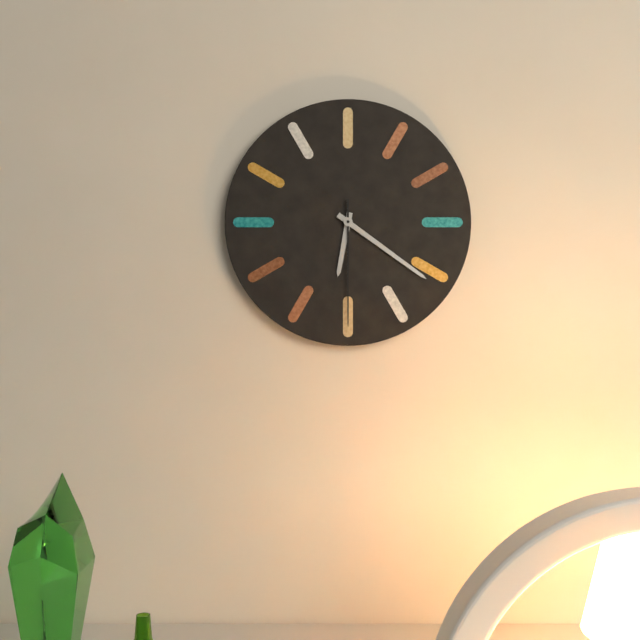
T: 6:21:30
